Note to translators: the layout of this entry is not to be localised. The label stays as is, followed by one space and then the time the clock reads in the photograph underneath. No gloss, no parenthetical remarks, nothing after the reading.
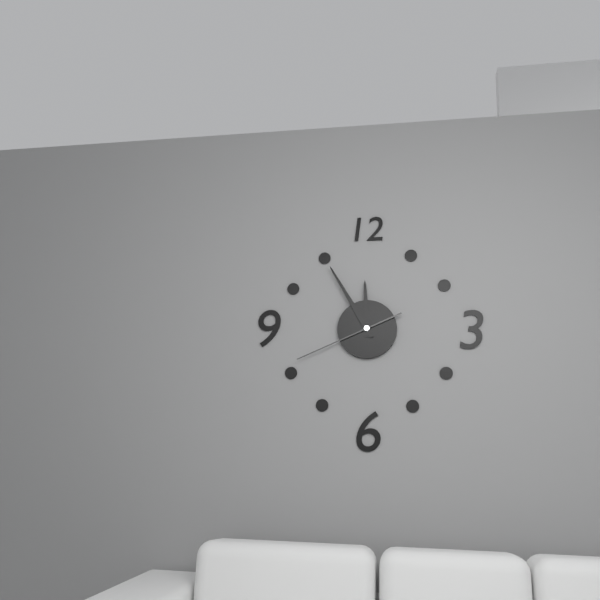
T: 11:55:41
